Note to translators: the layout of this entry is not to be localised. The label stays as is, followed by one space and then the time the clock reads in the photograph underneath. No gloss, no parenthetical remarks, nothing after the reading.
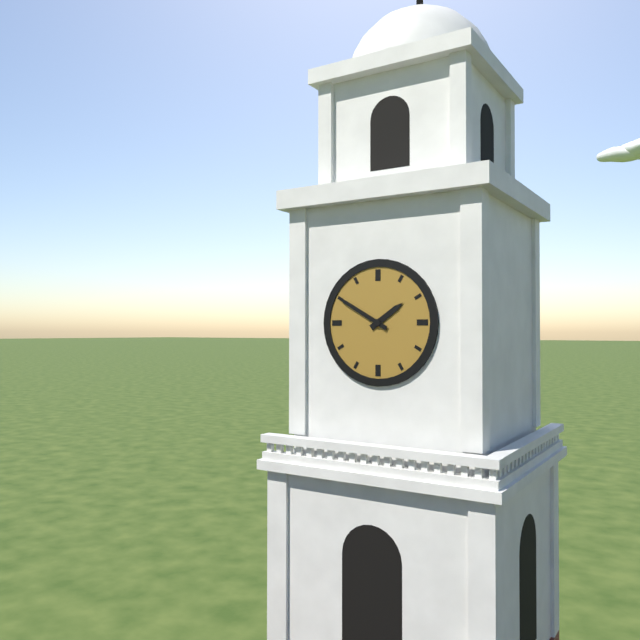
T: 1:50
